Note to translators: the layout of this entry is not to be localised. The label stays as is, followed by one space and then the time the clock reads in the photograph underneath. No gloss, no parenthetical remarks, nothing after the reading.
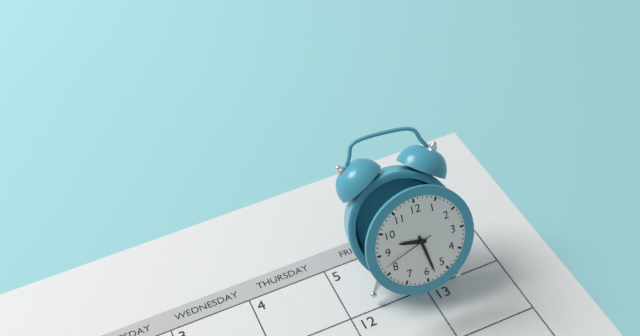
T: 9:28:42
